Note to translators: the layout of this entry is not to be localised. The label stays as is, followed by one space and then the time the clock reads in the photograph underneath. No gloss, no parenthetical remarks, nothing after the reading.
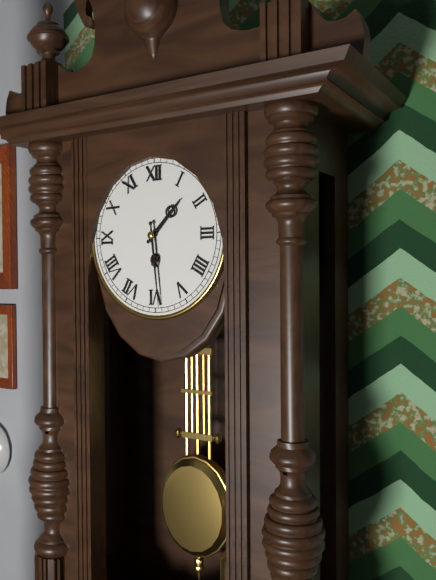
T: 1:29
